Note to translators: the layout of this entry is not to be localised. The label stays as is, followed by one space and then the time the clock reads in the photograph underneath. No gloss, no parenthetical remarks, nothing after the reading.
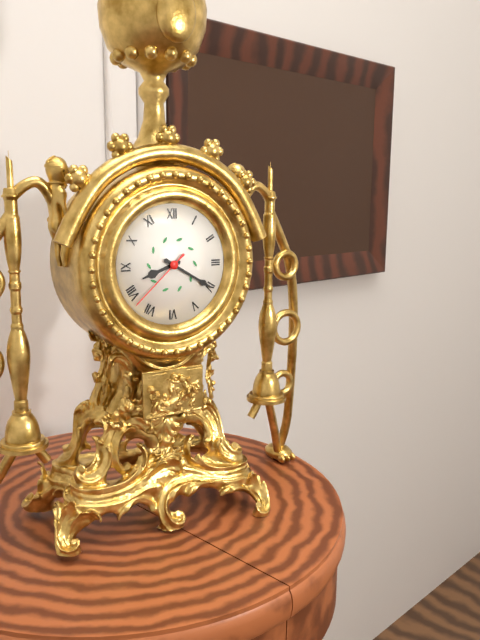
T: 8:20:38
